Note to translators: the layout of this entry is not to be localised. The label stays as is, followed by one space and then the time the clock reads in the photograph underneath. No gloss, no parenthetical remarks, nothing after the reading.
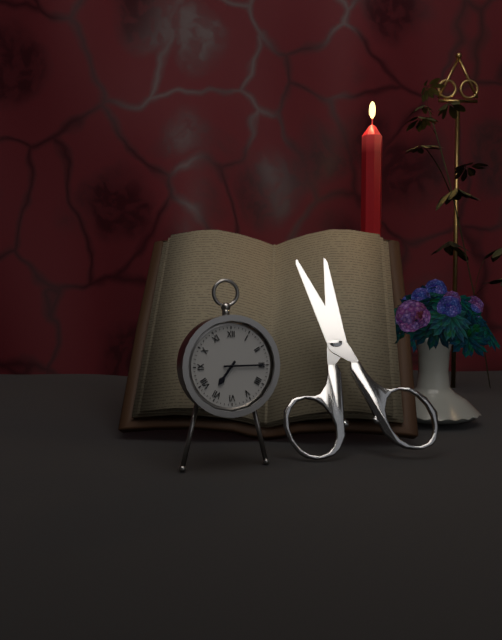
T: 7:15
